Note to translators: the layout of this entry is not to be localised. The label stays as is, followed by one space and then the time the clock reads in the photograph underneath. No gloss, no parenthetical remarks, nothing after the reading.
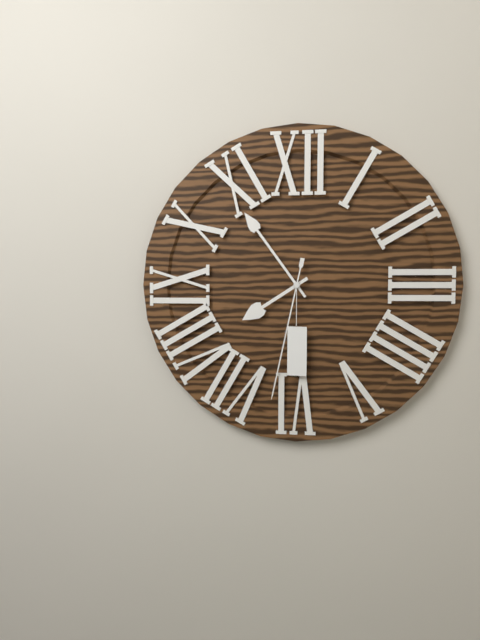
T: 7:54:32
